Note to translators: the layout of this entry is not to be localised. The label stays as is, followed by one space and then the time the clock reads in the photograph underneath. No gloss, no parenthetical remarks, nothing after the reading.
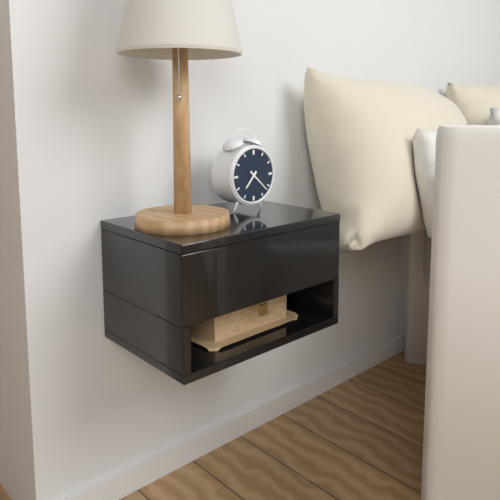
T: 7:22
